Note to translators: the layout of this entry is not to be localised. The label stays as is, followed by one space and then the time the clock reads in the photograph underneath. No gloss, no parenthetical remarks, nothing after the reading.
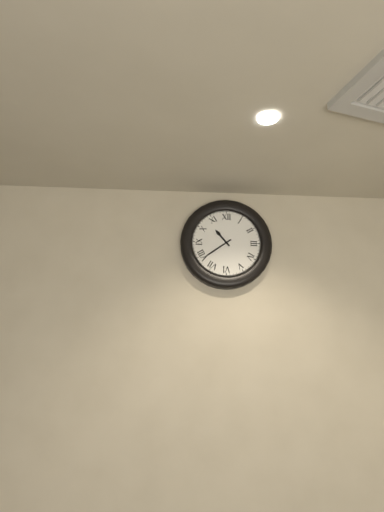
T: 10:39
